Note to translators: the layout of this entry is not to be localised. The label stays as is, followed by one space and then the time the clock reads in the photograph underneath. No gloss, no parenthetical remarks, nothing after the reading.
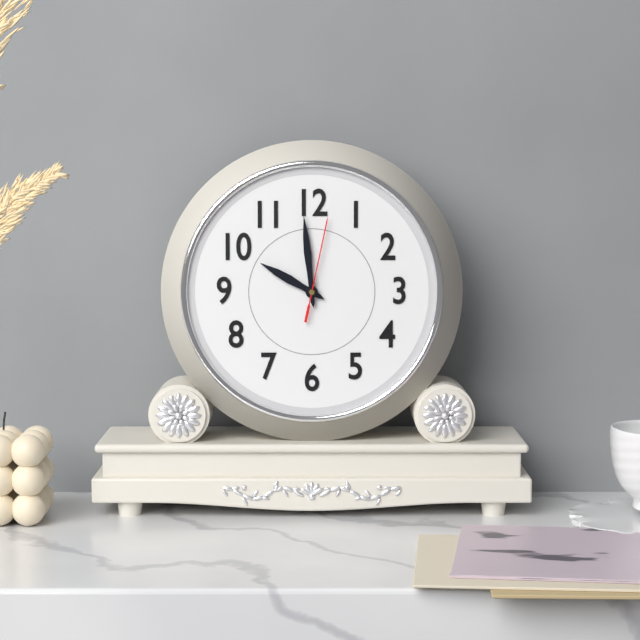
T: 9:59:02
